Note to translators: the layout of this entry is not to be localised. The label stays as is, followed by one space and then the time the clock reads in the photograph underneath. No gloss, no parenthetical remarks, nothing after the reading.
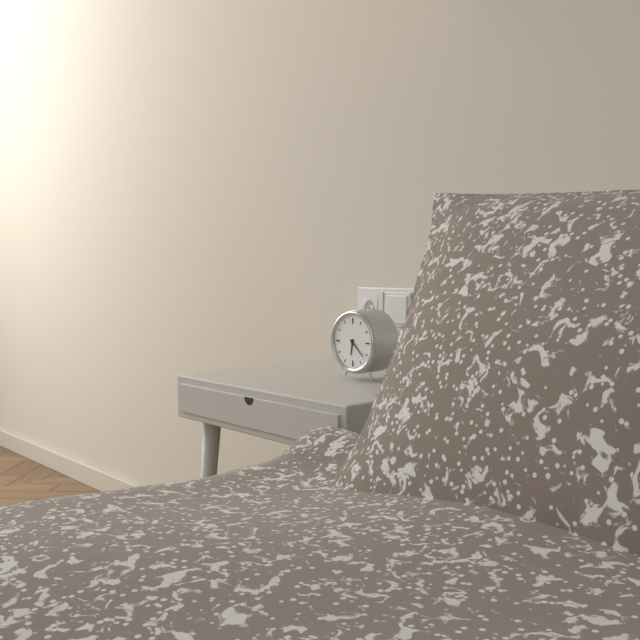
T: 6:22
